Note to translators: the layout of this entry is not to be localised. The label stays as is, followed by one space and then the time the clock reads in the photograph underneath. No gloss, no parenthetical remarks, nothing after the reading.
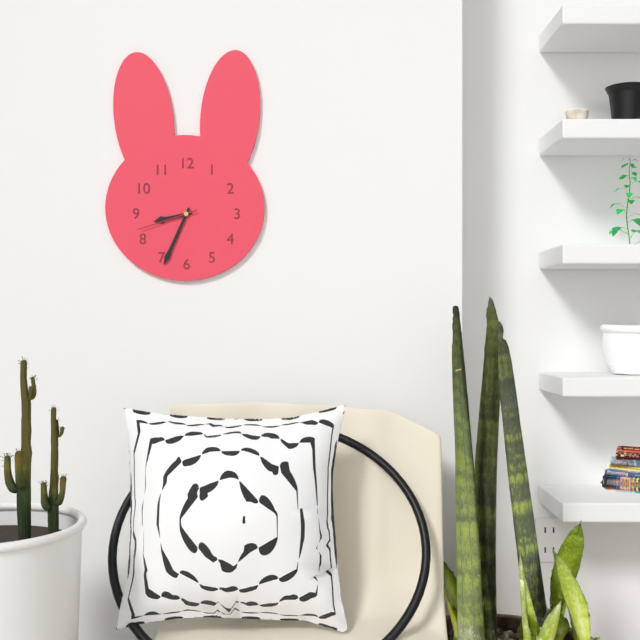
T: 8:34:42
